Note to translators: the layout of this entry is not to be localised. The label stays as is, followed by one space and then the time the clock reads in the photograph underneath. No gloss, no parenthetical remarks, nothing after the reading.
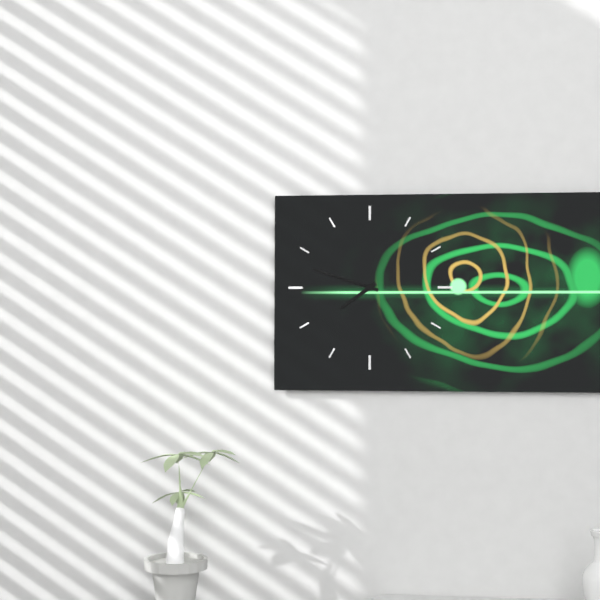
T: 7:48
